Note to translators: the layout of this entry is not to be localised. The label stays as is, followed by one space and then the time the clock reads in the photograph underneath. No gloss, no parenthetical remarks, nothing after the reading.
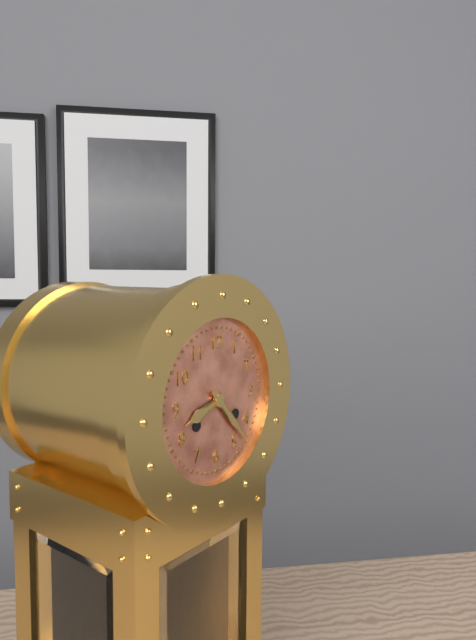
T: 8:23
